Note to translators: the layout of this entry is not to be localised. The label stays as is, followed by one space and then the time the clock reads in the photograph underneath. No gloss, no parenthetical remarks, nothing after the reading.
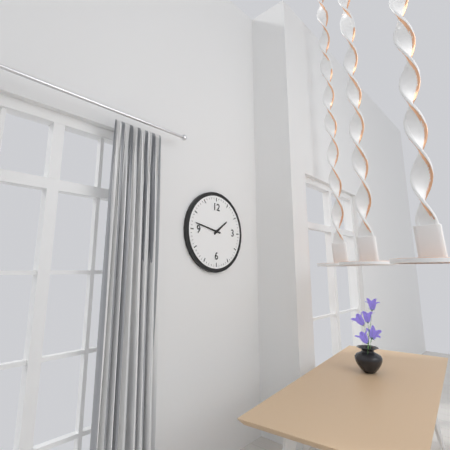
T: 1:47
